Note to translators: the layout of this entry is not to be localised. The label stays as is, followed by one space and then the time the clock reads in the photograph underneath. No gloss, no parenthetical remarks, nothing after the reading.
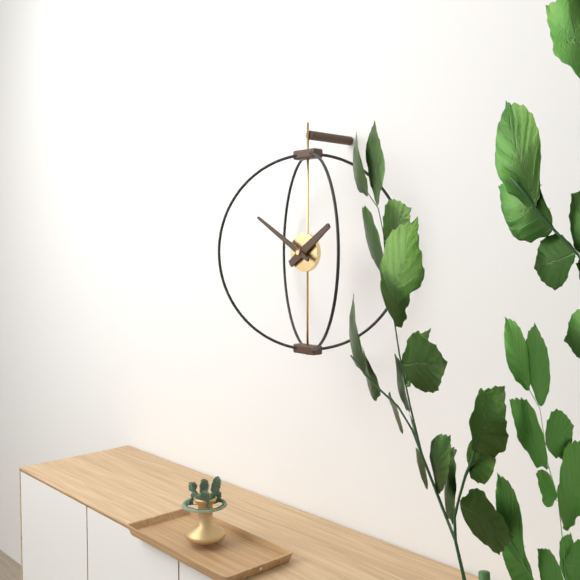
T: 1:50
